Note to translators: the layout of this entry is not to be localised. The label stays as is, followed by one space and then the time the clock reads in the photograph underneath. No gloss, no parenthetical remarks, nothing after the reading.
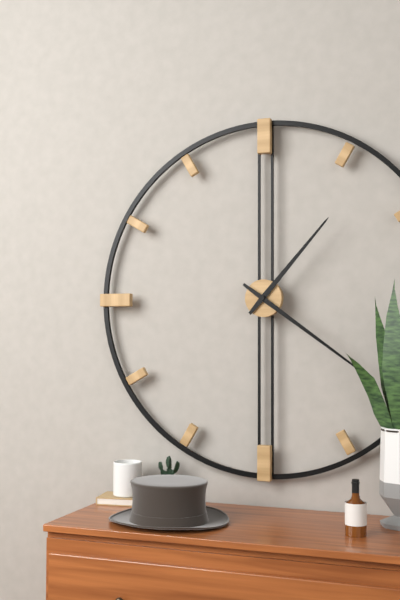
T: 1:21
